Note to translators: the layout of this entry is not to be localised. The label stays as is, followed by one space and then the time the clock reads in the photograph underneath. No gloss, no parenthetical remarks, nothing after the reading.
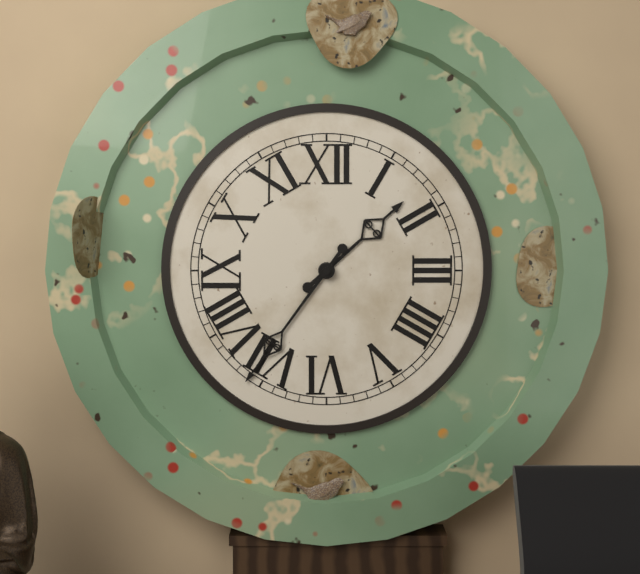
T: 1:36
